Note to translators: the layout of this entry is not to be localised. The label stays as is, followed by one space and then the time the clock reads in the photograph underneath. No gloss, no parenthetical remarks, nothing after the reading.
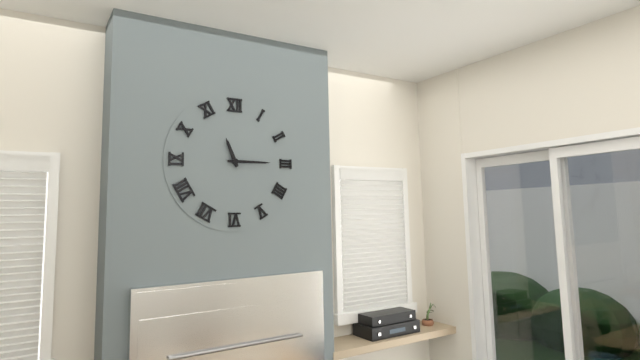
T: 11:15
